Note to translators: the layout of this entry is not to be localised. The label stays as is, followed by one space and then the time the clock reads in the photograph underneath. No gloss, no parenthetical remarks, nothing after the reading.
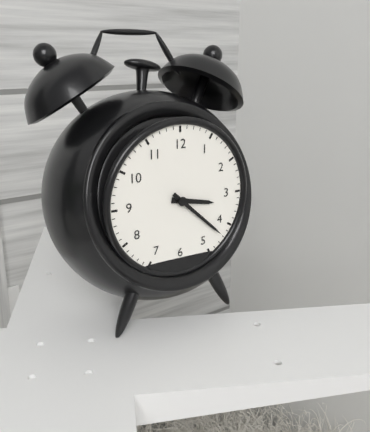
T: 3:22
